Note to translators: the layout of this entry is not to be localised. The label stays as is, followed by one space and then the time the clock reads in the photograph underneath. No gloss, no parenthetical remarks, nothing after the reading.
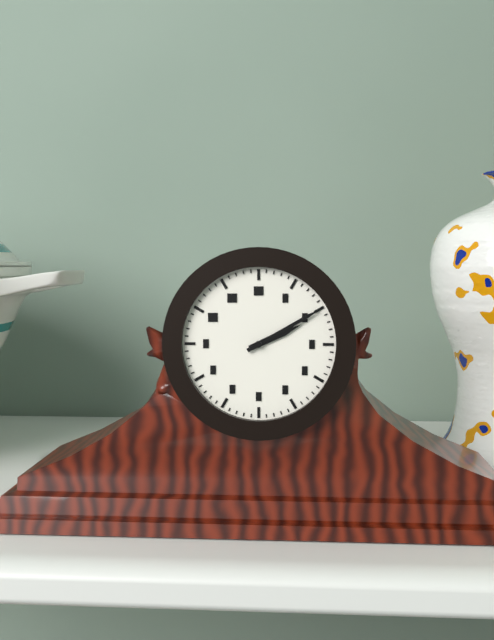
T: 2:10
